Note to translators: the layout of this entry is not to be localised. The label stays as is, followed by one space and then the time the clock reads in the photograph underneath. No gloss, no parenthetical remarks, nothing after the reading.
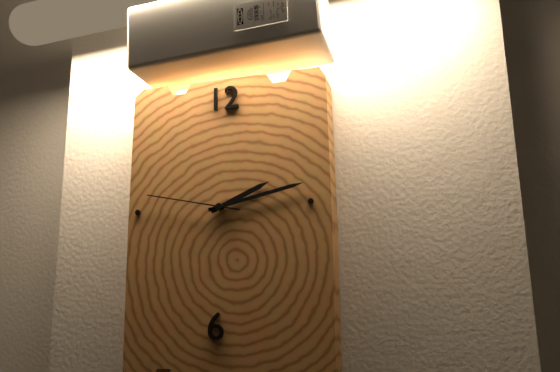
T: 2:13:47
